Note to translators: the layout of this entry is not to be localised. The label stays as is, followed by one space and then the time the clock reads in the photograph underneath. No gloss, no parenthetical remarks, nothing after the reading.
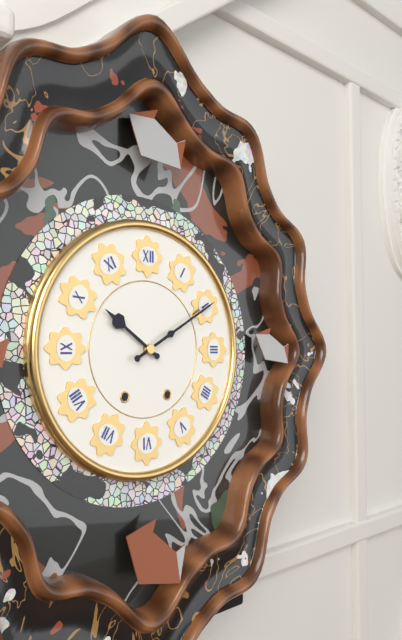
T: 10:10
